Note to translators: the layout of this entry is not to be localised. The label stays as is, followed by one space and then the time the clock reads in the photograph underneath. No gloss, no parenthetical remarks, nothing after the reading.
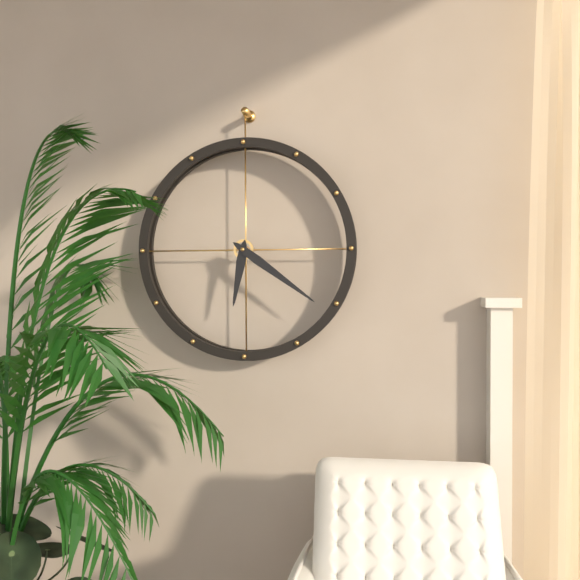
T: 6:21
